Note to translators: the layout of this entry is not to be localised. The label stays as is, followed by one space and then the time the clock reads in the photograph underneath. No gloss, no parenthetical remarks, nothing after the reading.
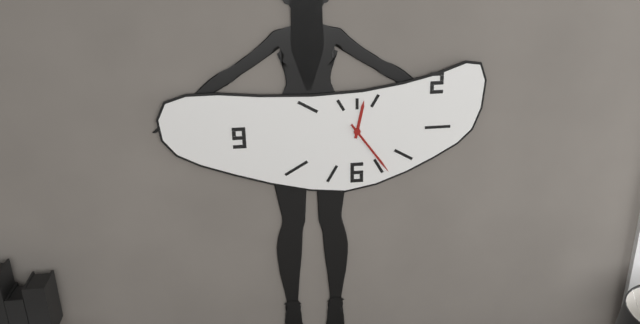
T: 12:24
